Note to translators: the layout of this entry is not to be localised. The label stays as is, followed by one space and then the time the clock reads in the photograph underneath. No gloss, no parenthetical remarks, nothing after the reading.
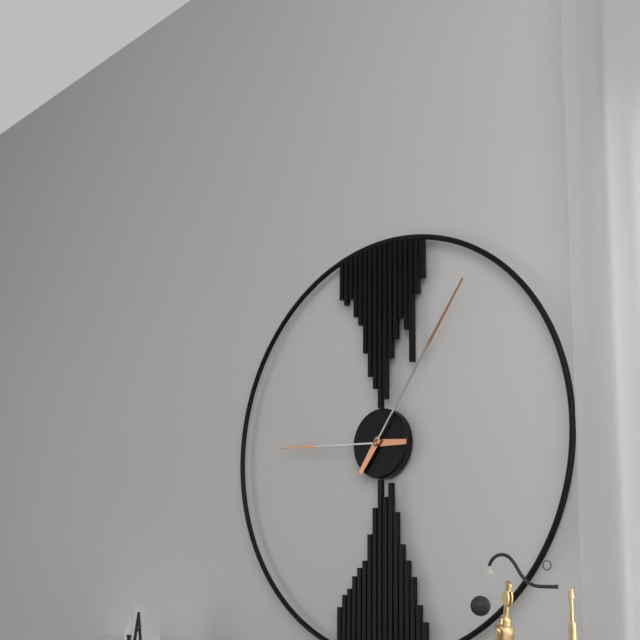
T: 9:06
